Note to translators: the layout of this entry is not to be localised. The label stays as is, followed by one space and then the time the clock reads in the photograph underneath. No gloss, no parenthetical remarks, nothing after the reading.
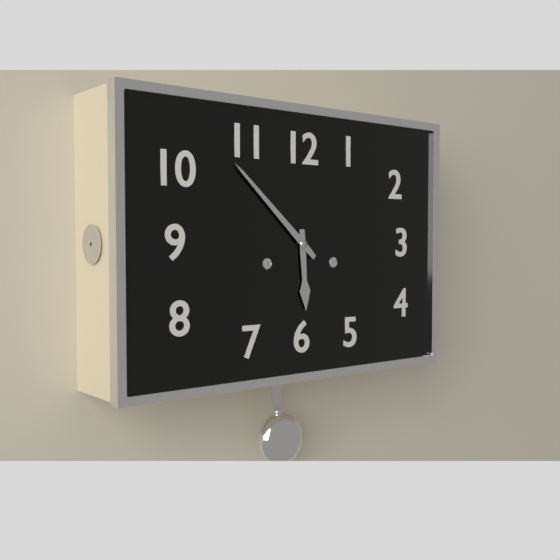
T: 5:52
